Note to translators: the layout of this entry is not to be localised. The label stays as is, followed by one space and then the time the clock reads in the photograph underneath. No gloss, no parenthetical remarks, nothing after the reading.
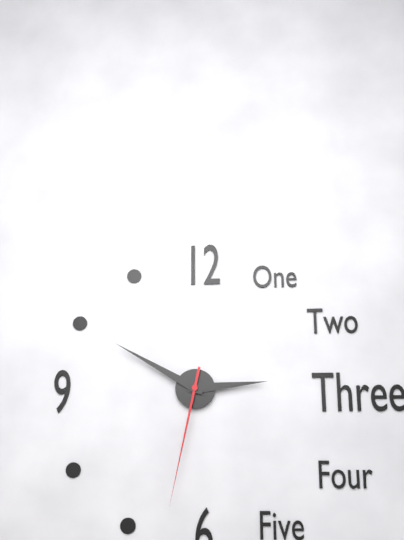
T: 2:50:32
